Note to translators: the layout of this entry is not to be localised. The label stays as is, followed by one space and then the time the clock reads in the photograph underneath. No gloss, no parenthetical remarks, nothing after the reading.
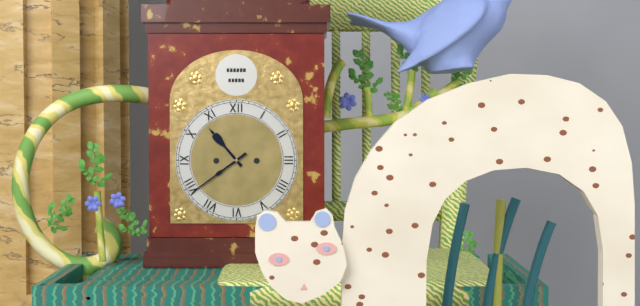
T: 10:39
